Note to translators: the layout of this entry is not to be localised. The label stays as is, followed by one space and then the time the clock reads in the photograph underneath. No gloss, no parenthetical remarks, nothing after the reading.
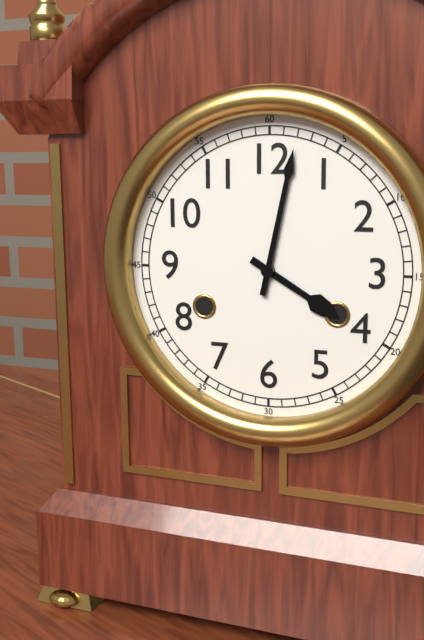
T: 4:02
